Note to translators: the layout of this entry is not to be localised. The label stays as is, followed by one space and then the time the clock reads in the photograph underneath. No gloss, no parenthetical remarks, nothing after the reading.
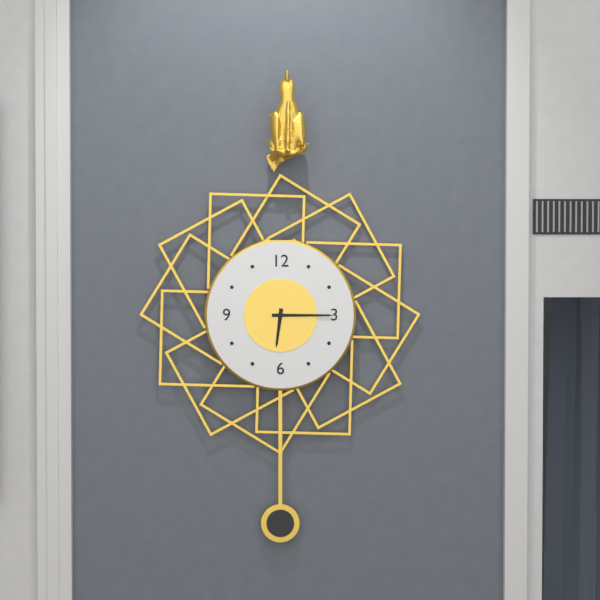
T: 6:15
